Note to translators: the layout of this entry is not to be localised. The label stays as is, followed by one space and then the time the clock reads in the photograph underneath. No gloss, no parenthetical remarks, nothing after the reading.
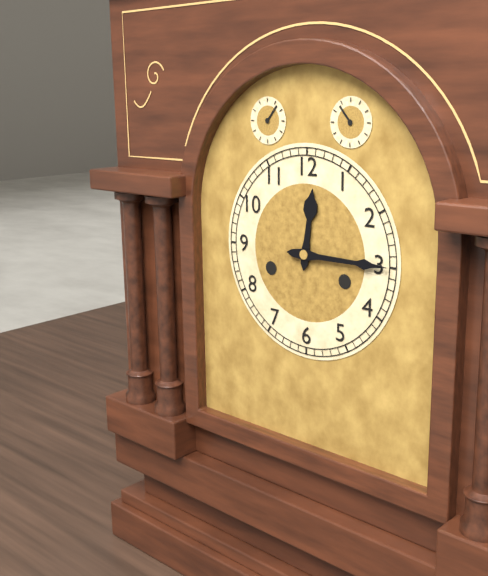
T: 12:15
